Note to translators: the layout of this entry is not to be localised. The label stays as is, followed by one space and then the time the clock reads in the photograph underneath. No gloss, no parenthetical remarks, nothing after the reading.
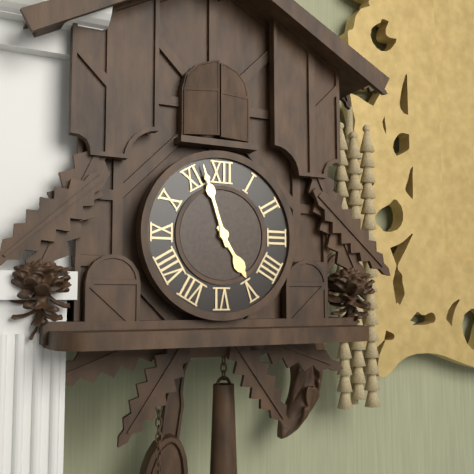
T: 4:57
